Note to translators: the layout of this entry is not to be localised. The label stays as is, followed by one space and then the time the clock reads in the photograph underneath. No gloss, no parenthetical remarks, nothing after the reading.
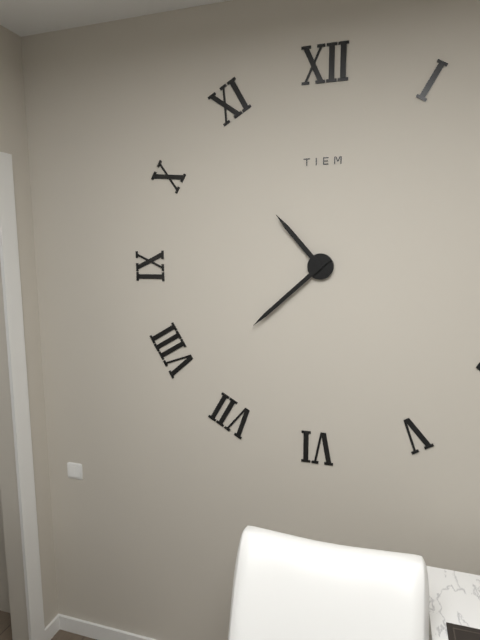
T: 10:38
